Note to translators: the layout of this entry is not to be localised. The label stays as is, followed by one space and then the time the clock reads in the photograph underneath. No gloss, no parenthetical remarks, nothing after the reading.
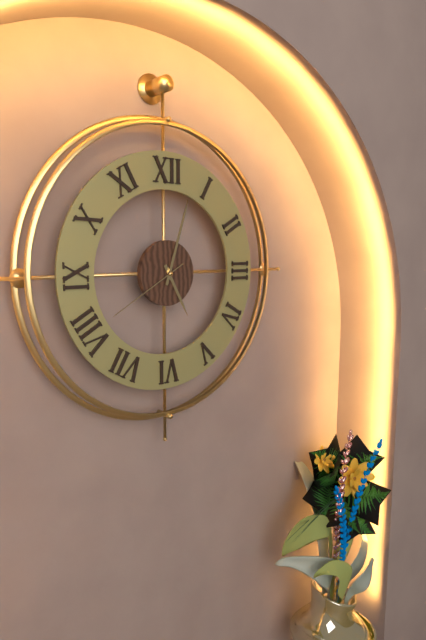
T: 5:03:40
